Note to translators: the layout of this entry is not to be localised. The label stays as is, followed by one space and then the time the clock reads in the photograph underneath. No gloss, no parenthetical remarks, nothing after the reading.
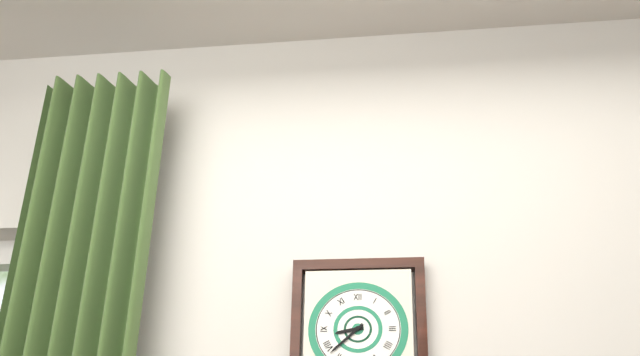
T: 8:38
